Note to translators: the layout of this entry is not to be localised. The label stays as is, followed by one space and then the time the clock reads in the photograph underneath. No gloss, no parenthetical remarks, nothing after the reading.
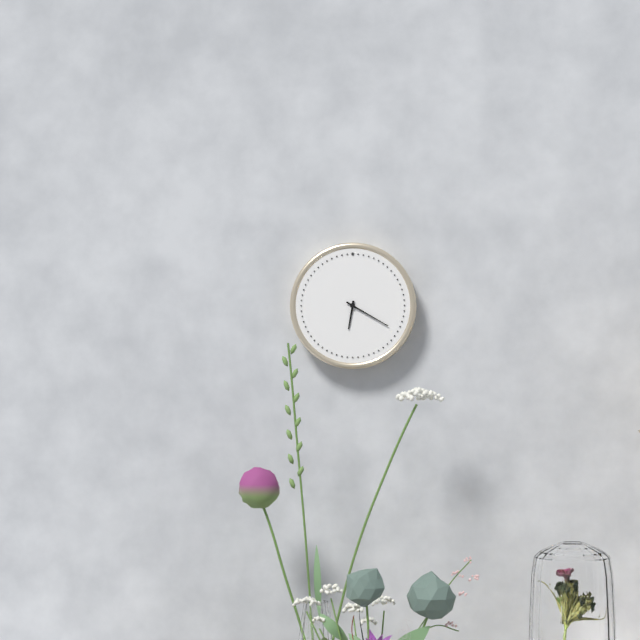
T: 6:20
